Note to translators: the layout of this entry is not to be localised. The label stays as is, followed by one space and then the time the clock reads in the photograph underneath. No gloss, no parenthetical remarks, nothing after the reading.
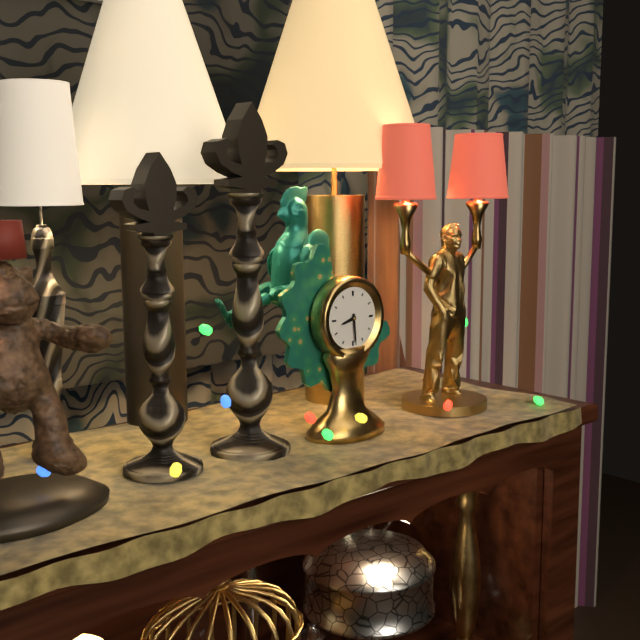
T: 8:29
